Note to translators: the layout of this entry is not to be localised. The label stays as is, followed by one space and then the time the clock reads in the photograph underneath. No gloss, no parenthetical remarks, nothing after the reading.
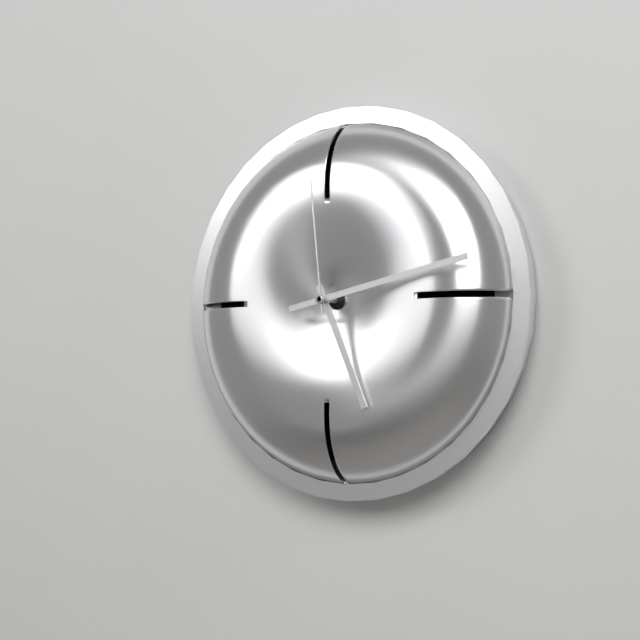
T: 5:13:59
